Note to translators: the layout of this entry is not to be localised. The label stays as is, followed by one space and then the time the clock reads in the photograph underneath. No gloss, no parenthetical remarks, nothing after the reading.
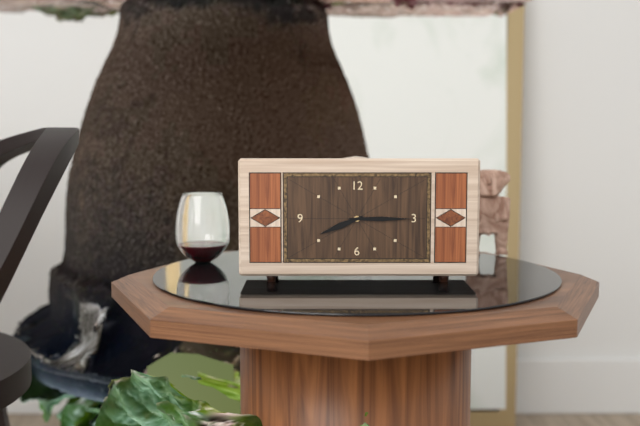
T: 8:15
